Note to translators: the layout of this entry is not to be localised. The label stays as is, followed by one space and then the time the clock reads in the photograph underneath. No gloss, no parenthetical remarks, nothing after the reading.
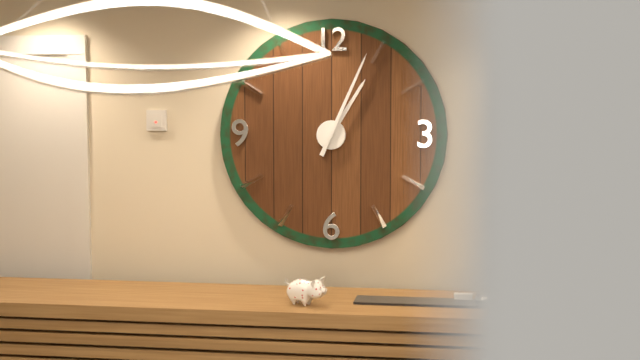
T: 1:04
